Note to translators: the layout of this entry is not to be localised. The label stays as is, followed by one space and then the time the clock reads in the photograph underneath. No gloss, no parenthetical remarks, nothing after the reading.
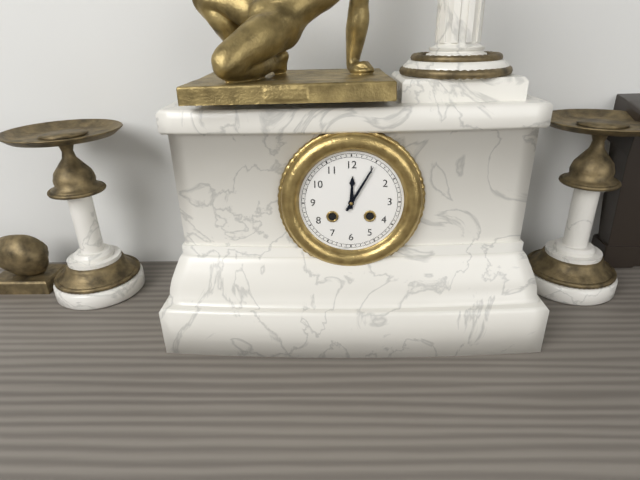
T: 12:05
